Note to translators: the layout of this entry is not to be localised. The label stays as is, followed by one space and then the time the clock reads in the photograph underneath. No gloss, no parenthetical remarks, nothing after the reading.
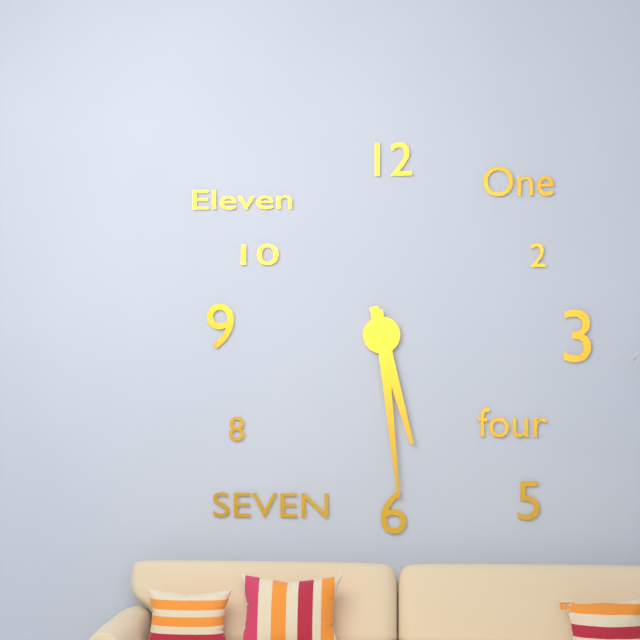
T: 5:29
